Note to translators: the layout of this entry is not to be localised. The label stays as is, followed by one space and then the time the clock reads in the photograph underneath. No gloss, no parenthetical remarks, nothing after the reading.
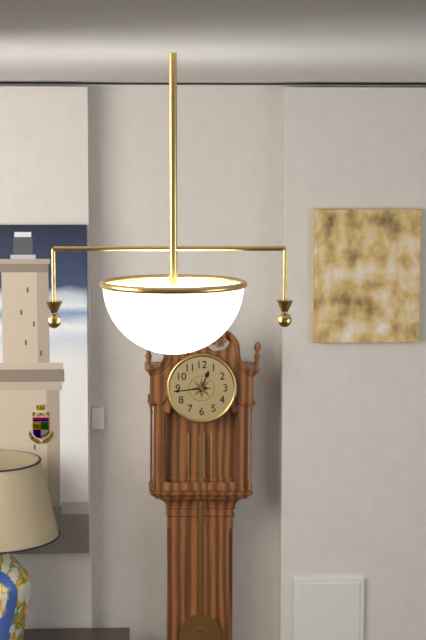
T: 12:44
